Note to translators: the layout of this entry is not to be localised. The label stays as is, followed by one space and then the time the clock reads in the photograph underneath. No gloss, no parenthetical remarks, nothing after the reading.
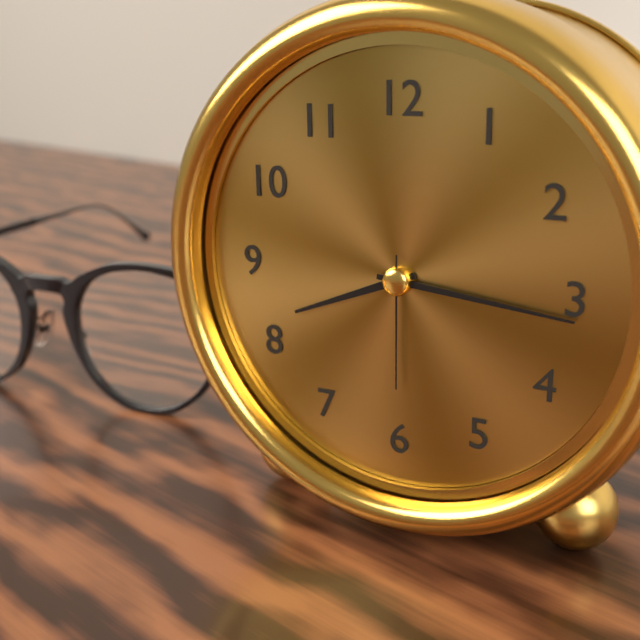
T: 8:16:30
